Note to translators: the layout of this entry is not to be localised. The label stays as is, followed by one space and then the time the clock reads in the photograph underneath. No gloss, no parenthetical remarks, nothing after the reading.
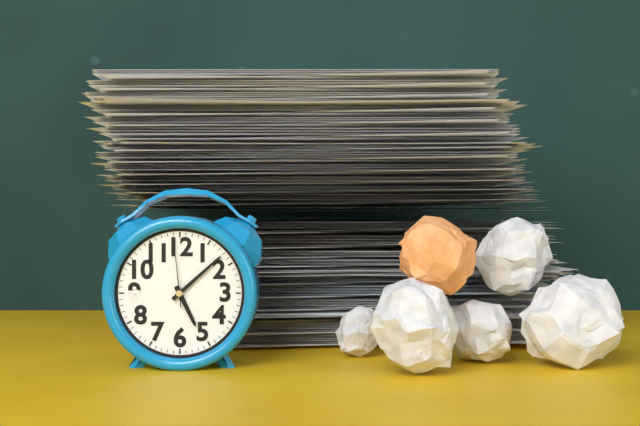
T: 5:08:59
